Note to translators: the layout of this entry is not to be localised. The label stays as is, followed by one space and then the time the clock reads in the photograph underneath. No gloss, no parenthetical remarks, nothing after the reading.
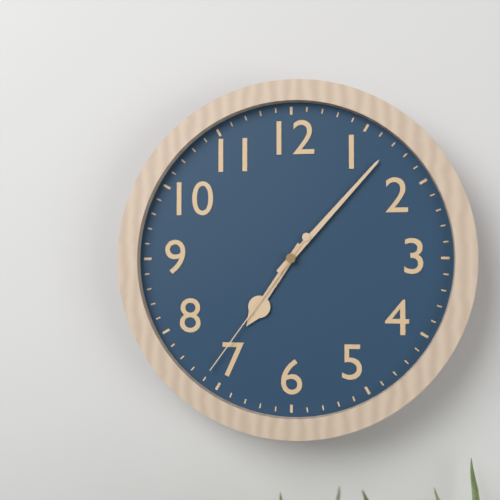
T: 7:07:36
